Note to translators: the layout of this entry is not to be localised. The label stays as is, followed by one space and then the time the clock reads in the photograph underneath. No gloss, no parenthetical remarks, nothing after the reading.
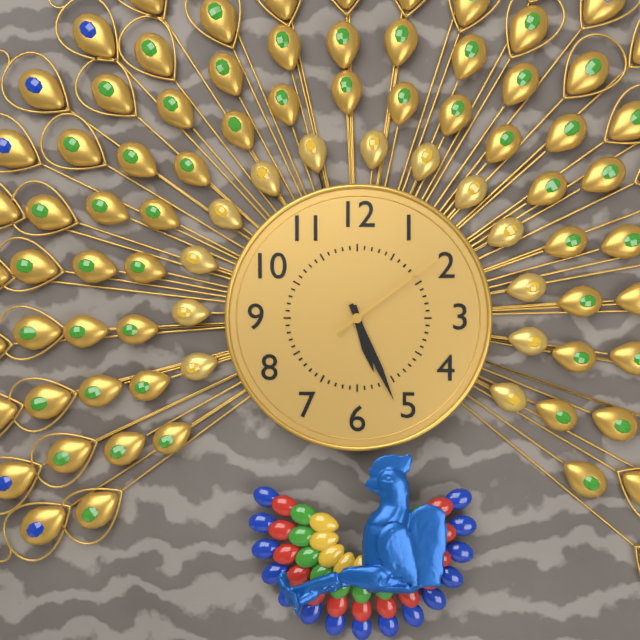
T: 5:26:09
